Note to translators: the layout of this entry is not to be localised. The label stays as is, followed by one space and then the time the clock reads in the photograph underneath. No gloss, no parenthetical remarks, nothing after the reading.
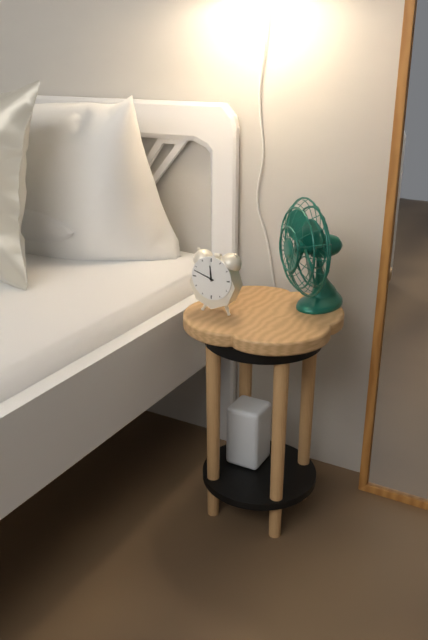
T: 11:48
